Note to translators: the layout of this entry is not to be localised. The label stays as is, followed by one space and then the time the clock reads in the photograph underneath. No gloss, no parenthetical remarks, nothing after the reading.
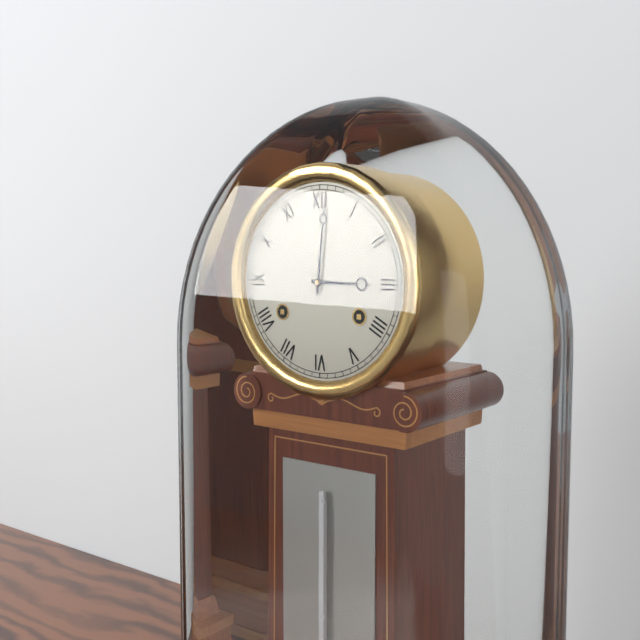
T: 3:01
